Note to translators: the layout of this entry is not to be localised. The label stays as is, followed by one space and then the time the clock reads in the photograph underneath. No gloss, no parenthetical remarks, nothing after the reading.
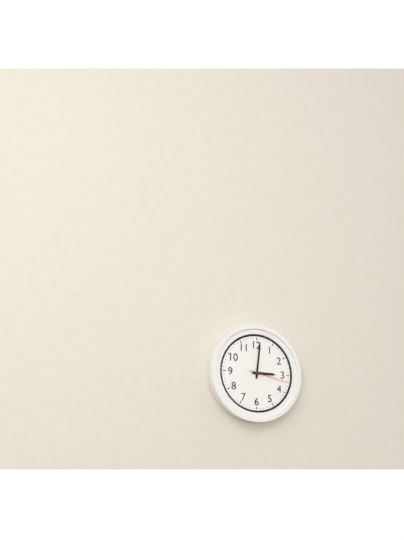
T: 3:01
